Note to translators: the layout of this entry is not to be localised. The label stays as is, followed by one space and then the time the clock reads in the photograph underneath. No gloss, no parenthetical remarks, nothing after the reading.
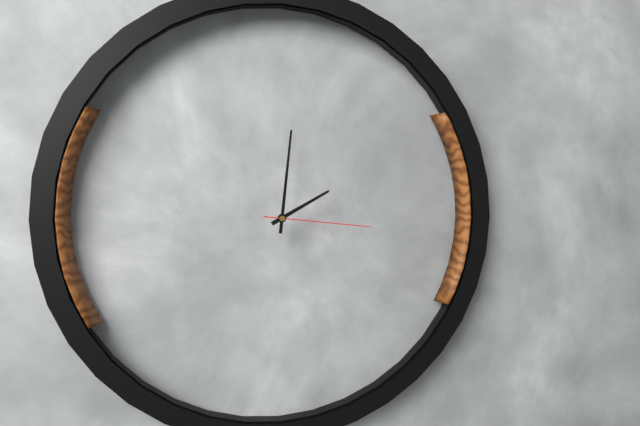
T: 2:01:16
